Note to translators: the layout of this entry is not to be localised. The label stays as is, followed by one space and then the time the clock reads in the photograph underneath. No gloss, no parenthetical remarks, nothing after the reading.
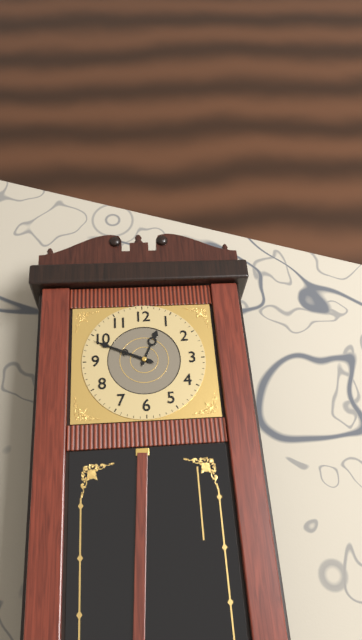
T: 12:49
